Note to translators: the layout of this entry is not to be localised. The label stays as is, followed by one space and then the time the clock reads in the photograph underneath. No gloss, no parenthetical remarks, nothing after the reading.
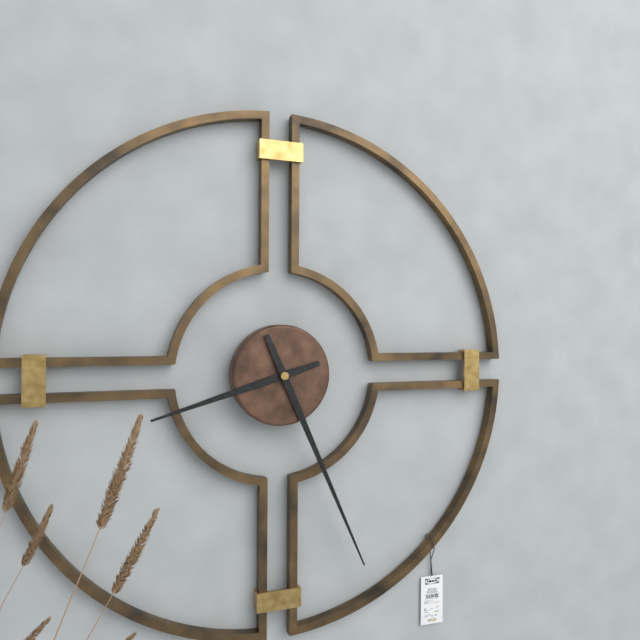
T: 8:26
